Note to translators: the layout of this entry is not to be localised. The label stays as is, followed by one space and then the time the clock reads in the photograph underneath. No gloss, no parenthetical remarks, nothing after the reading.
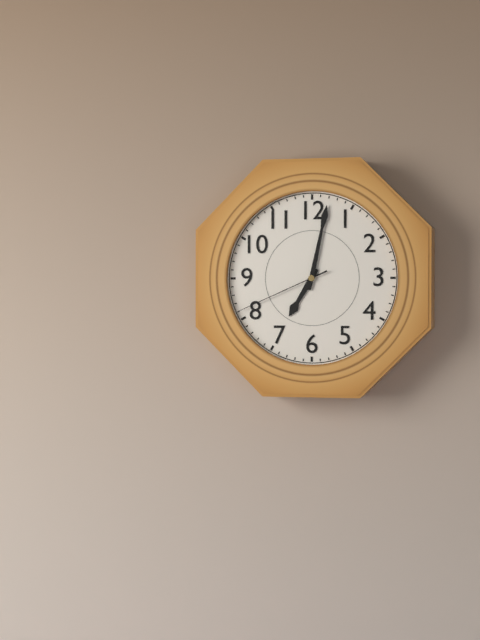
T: 7:02:41
